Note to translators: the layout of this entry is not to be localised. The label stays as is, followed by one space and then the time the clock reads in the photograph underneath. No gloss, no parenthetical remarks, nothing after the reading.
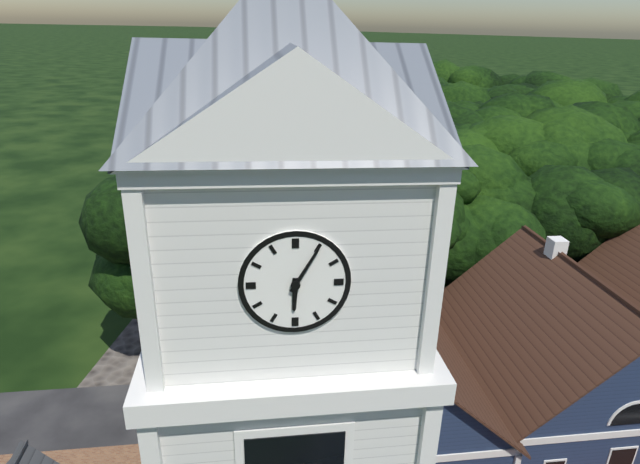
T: 6:05
